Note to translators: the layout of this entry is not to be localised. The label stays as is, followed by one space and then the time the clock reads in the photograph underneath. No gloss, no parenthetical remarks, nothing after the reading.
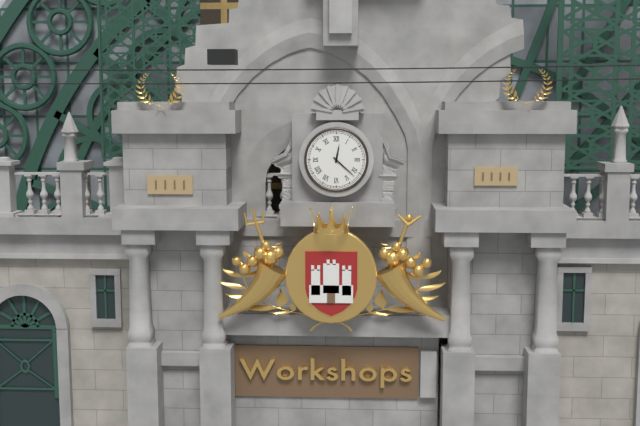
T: 12:22
